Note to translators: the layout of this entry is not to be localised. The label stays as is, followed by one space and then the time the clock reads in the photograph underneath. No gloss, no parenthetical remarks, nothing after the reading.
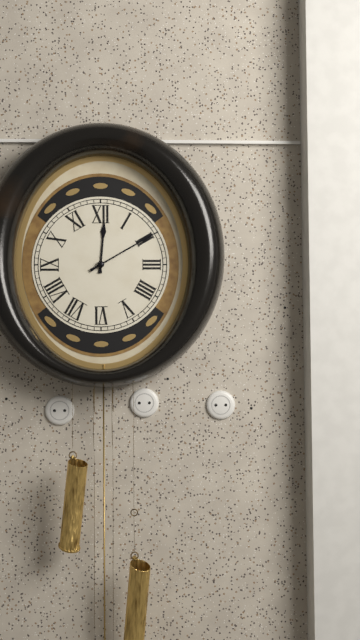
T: 12:10
